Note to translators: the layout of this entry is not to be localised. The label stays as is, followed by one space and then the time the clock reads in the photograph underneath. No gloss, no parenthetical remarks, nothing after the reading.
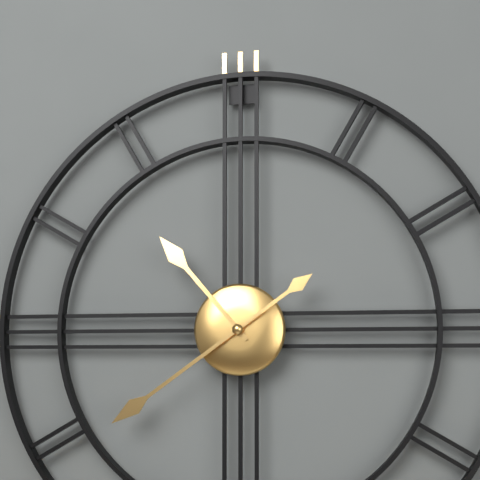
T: 10:39
